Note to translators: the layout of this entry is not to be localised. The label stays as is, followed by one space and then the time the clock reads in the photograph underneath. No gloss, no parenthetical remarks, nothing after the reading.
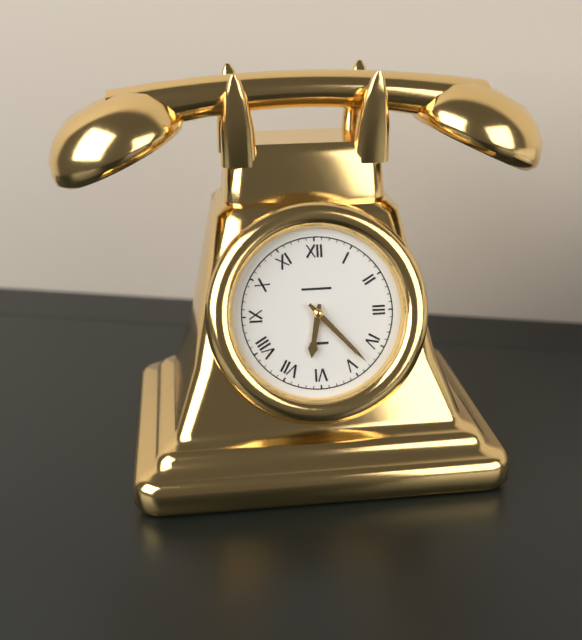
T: 6:23
